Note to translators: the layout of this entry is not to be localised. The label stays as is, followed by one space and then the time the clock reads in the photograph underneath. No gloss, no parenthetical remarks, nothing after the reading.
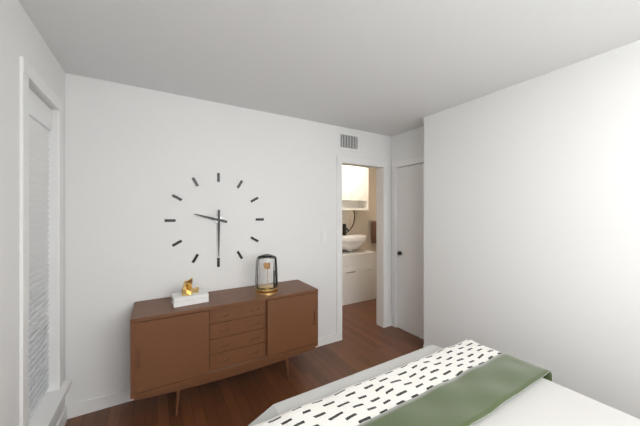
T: 9:30
